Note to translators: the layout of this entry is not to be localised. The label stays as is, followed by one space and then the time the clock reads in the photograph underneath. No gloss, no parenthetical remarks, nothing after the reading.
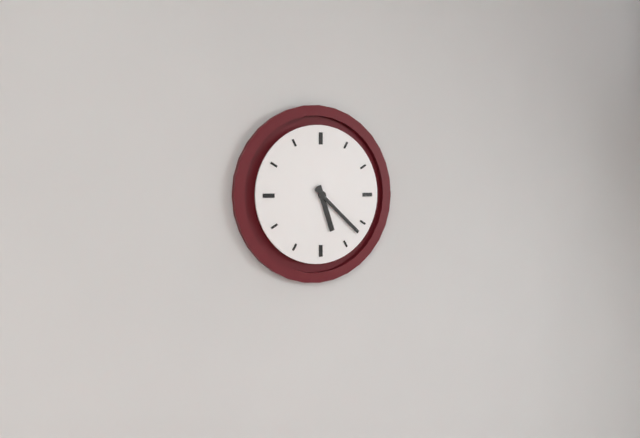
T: 5:22
